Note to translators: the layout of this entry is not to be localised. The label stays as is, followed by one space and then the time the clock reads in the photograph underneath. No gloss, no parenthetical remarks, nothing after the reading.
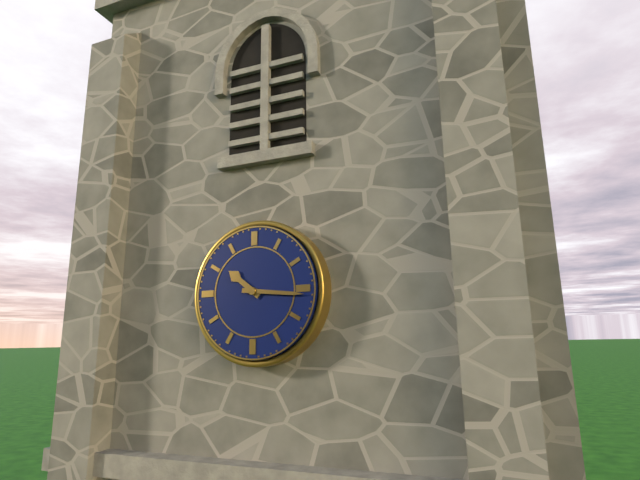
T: 10:16
